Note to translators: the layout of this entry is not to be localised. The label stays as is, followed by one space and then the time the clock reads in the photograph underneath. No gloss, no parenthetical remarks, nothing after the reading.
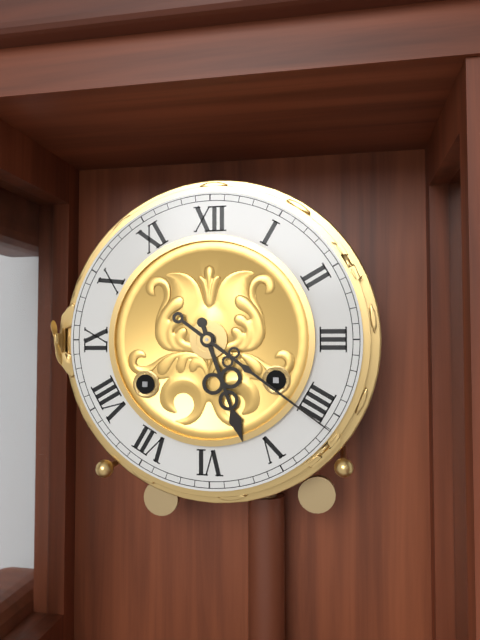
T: 5:21
